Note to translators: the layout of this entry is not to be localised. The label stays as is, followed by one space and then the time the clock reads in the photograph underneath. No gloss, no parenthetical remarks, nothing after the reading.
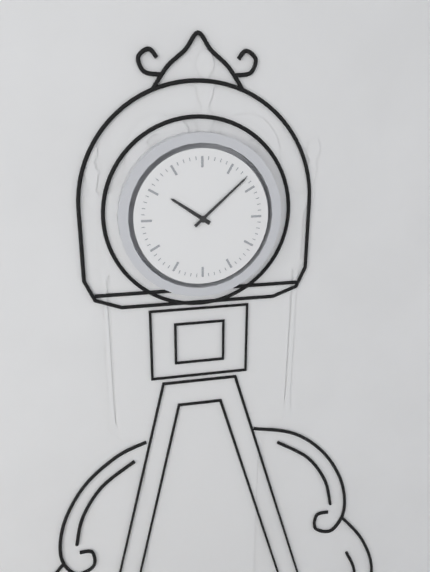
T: 10:08
